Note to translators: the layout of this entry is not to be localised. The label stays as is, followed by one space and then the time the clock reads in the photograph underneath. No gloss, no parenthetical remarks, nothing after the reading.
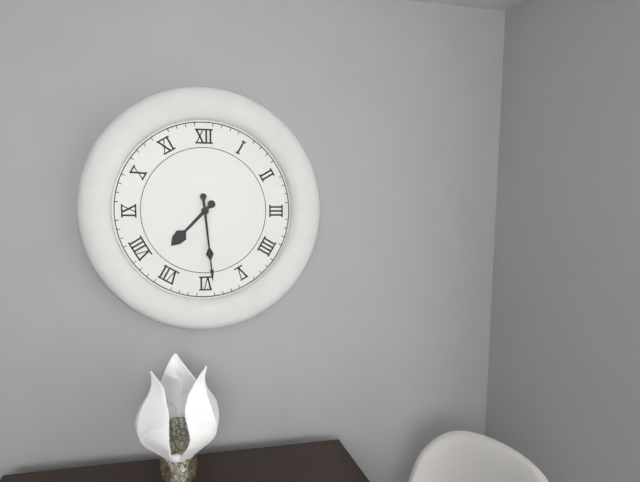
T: 7:29
